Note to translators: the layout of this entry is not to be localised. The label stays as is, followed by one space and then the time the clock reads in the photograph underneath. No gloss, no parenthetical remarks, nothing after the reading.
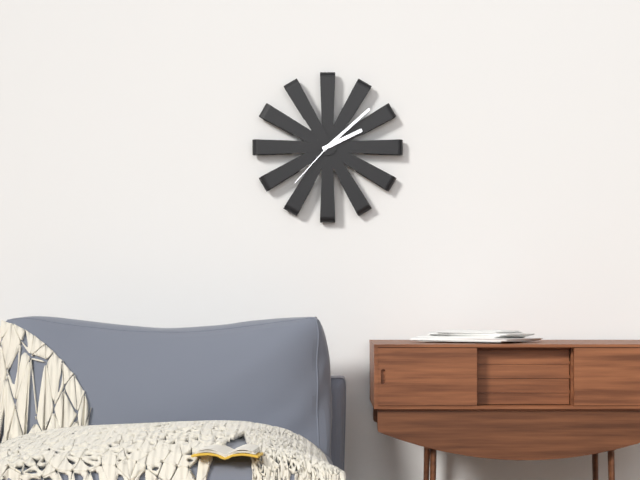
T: 2:08:37
